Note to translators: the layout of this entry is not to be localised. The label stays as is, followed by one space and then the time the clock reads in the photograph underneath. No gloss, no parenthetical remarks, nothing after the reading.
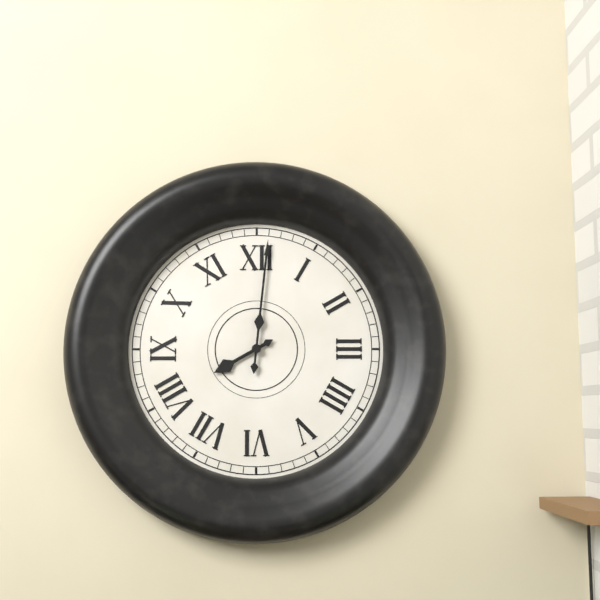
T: 8:01
